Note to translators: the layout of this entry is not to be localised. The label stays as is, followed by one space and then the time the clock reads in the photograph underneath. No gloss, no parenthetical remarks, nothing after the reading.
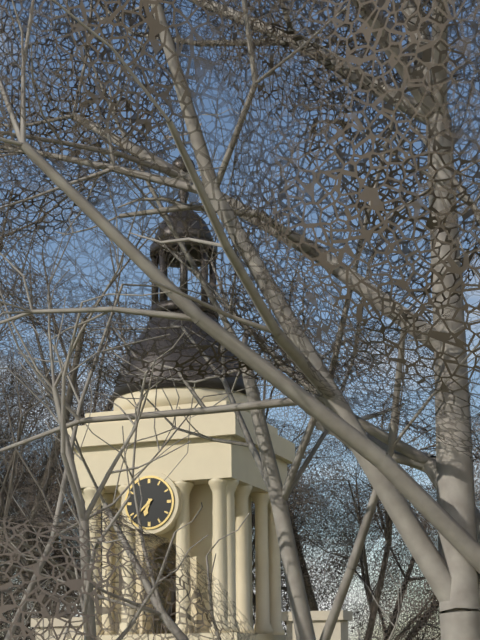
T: 6:38
